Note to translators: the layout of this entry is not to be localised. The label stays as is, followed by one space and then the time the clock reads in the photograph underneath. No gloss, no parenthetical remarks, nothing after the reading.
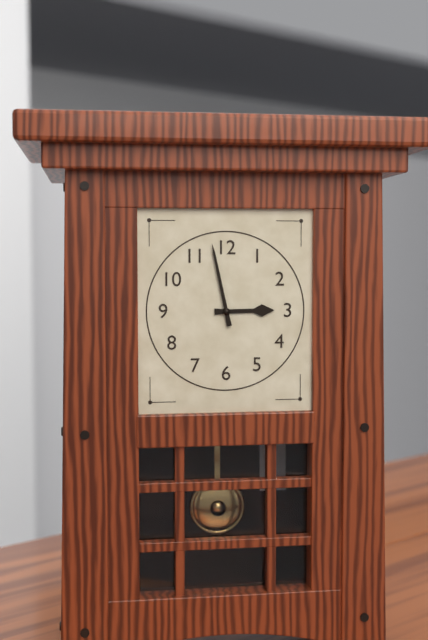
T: 2:58
